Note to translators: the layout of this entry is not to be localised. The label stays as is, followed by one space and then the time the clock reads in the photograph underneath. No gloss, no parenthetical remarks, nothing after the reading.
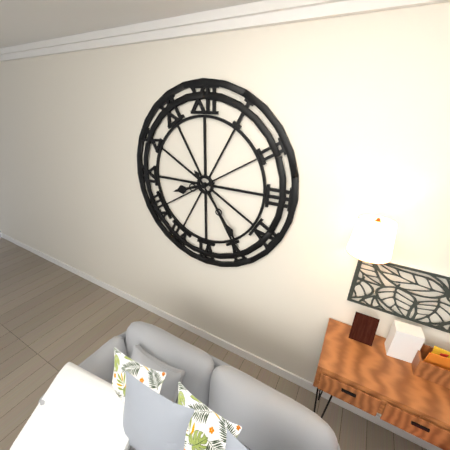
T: 8:24
